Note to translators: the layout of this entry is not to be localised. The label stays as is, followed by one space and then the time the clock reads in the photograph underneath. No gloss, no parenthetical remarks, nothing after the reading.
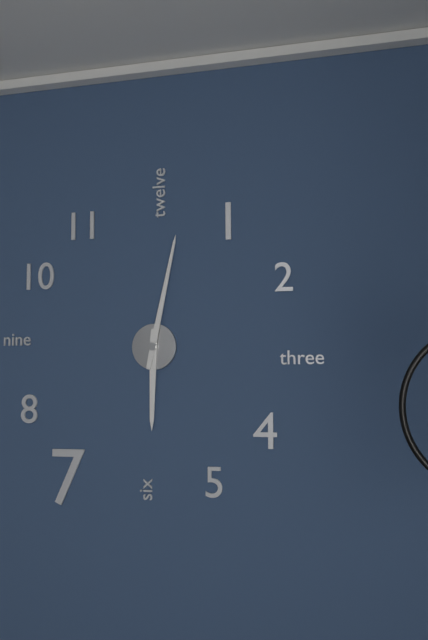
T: 6:02
